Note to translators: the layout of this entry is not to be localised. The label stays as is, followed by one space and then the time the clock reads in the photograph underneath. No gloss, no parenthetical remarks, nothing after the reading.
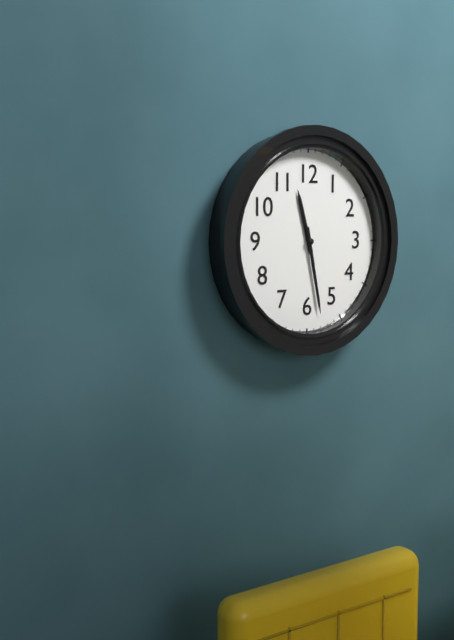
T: 11:28
